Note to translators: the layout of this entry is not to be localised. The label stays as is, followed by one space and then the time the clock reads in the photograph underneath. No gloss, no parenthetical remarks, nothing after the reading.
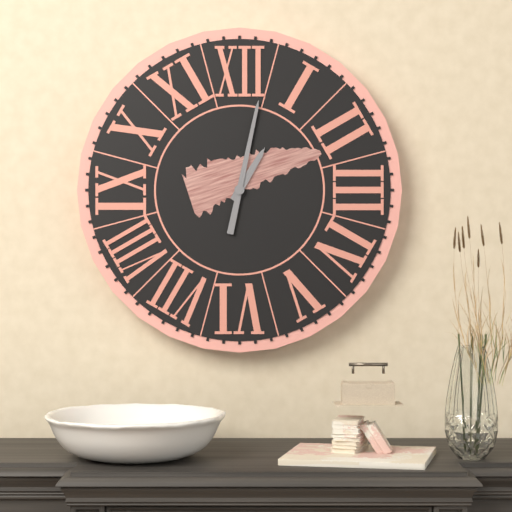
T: 1:02
